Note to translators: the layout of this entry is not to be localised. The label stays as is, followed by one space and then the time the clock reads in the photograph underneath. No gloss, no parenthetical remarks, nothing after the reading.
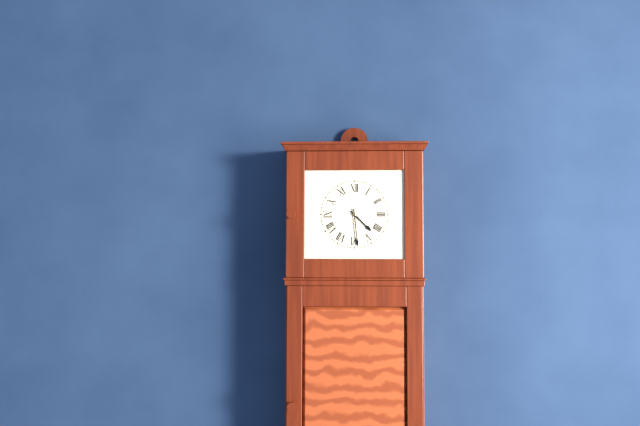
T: 4:29
